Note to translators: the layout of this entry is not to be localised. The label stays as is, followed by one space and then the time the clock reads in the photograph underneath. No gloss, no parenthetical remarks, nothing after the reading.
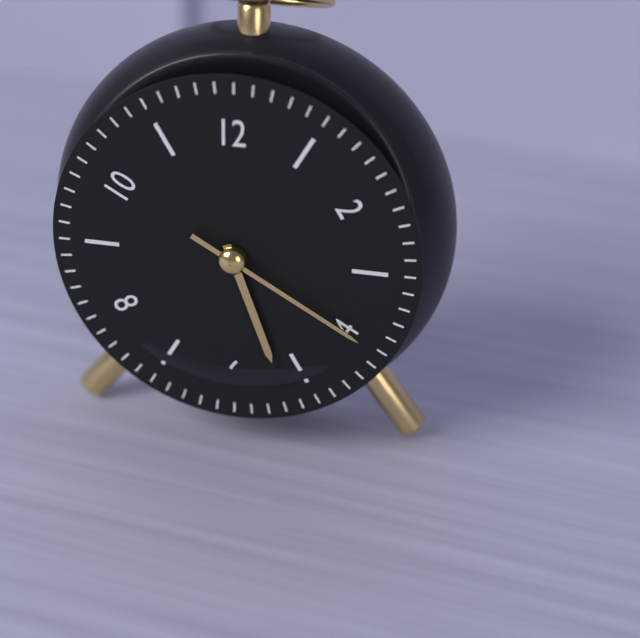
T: 5:20
